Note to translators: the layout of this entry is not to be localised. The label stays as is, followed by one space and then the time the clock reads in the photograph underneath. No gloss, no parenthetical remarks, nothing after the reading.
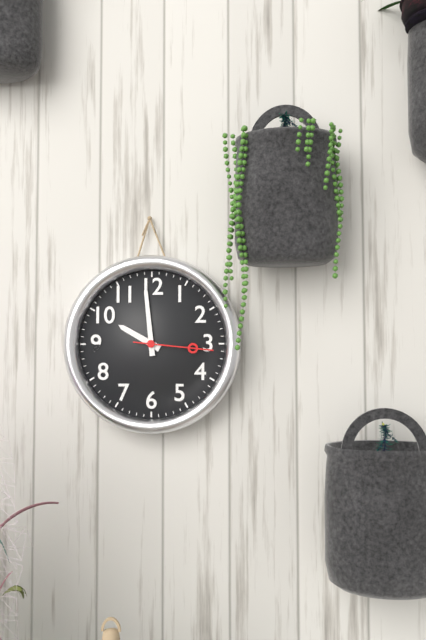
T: 9:59:16
